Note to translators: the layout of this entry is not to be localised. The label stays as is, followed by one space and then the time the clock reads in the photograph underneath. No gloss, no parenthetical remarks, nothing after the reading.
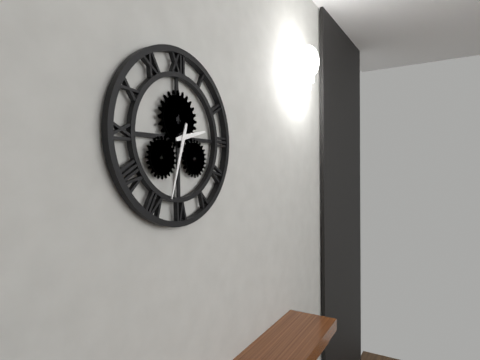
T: 2:33
